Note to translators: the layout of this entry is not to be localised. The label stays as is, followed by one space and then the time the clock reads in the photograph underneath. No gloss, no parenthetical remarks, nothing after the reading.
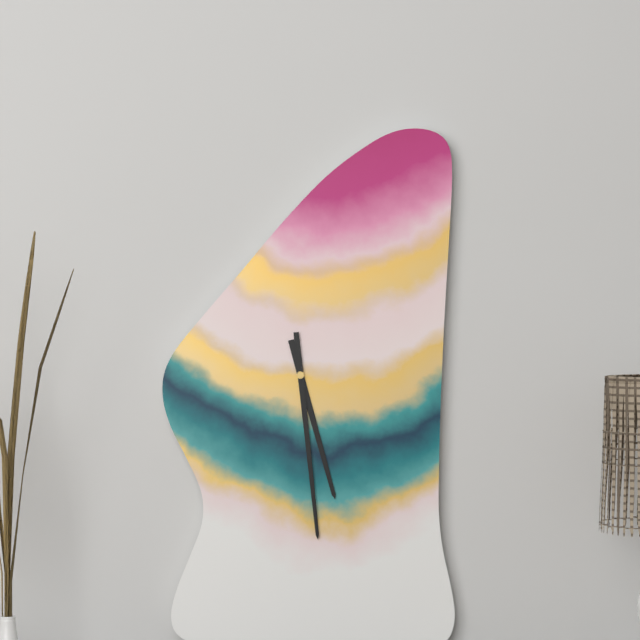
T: 5:29
